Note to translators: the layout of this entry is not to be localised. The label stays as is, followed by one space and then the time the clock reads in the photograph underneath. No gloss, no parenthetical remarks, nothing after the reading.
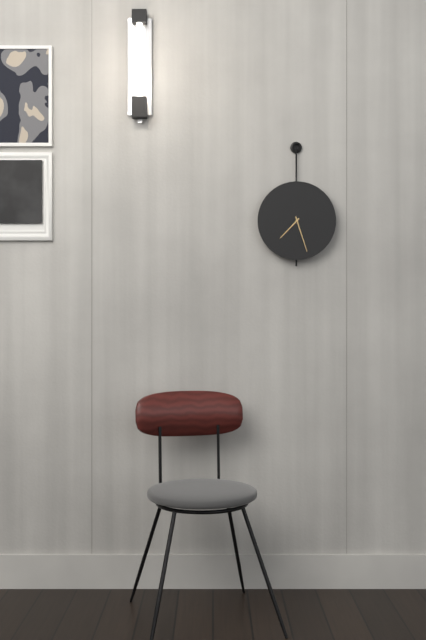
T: 7:27
